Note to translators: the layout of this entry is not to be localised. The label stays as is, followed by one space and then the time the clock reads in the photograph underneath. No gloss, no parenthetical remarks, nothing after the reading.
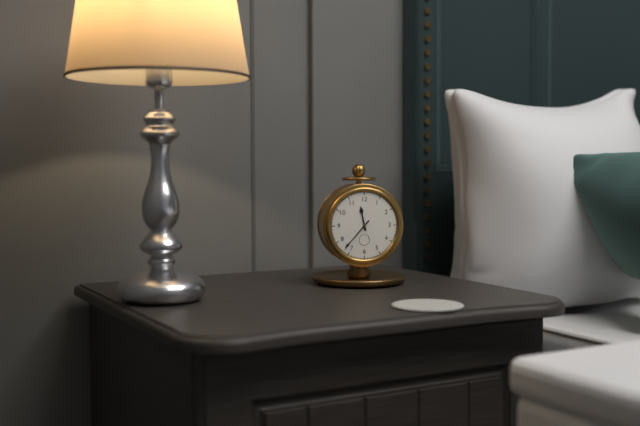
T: 11:37
